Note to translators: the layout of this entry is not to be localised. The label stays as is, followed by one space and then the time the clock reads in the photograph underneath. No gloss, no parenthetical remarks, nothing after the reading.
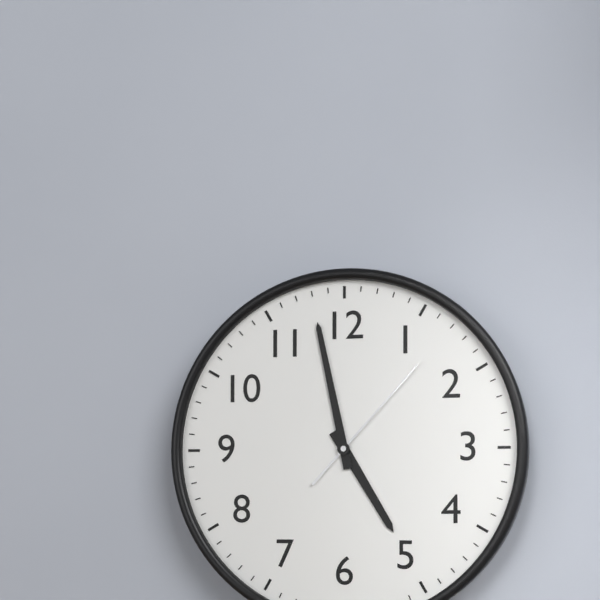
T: 4:58:07
